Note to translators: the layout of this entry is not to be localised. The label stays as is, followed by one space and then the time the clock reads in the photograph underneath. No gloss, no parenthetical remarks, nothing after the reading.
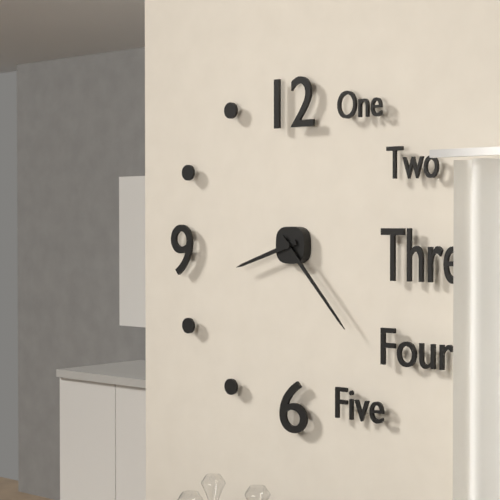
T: 8:23
